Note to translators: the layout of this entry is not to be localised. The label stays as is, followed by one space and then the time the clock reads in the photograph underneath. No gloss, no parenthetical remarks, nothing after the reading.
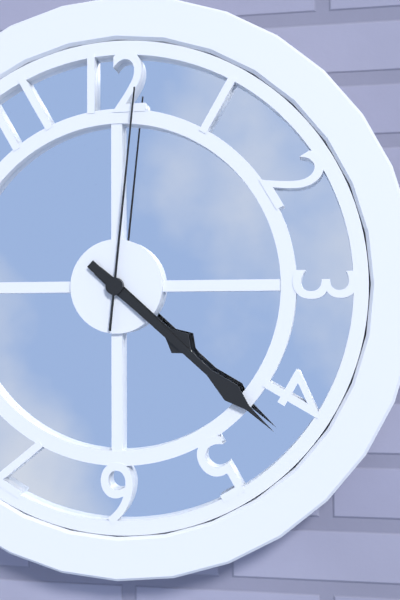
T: 4:22:01
